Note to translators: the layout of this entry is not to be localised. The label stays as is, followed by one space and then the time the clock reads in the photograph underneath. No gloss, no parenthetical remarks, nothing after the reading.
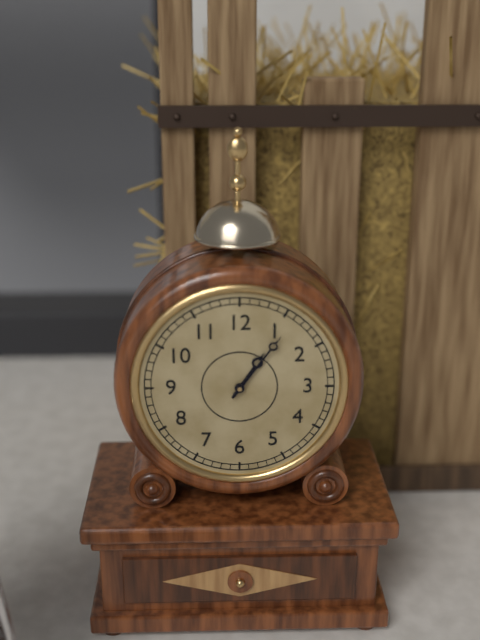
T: 1:06
